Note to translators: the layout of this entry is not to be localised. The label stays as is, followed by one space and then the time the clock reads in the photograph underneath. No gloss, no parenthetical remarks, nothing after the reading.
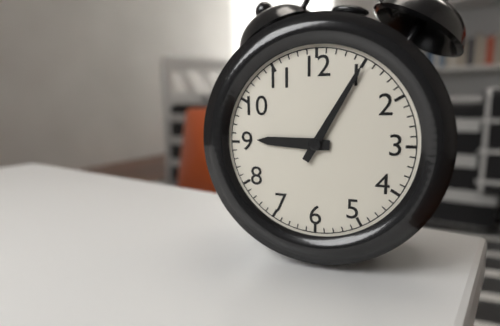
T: 9:05
